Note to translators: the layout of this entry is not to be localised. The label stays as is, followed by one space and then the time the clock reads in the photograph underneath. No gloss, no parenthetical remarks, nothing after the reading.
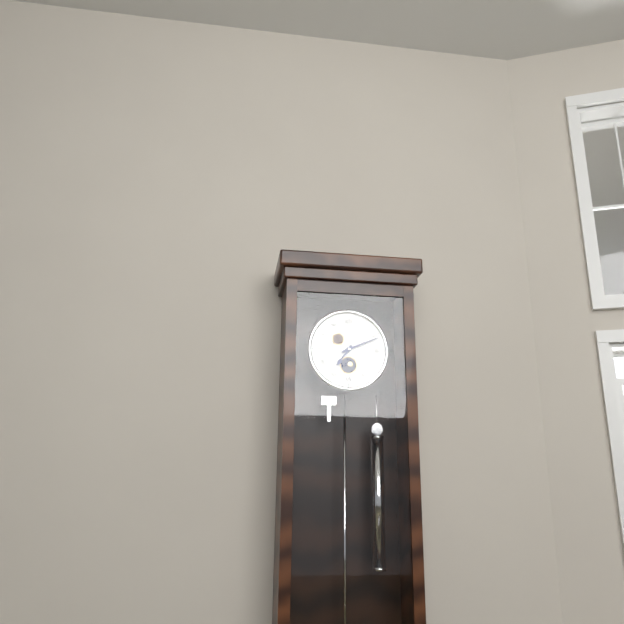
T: 7:11
